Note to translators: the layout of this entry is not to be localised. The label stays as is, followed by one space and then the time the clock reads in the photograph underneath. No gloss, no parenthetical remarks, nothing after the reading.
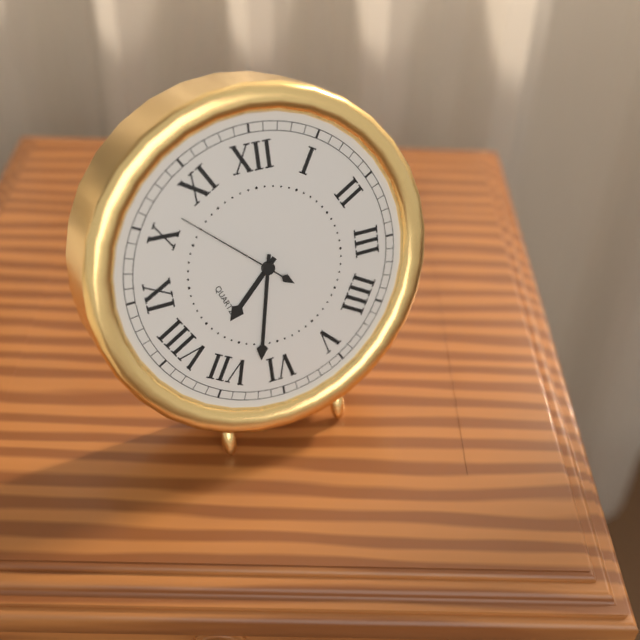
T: 7:32:52
